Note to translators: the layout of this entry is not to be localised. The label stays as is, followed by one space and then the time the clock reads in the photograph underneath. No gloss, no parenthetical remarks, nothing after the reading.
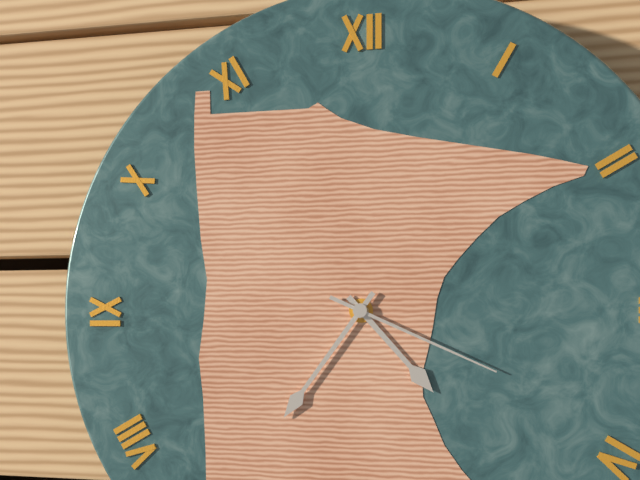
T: 4:36:19
